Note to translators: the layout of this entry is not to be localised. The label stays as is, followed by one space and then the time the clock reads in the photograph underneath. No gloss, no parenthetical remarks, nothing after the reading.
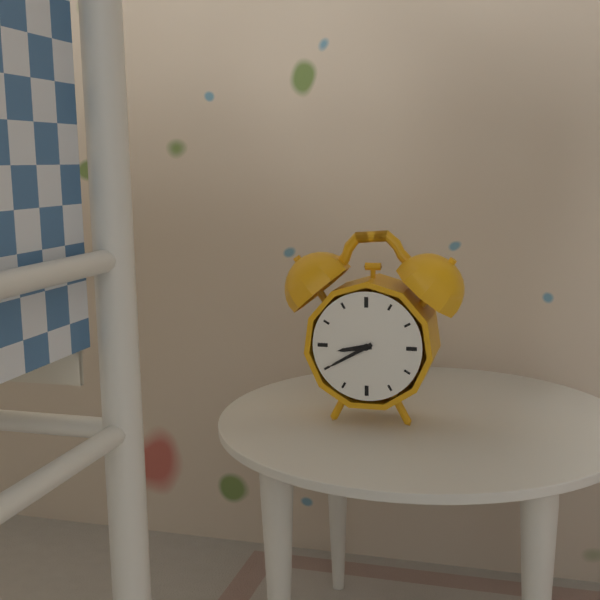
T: 8:40
